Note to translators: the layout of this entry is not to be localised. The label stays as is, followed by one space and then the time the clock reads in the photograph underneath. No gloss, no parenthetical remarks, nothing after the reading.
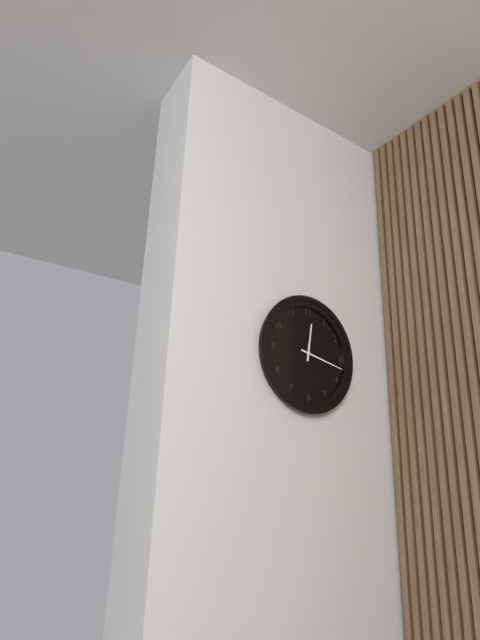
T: 12:17
